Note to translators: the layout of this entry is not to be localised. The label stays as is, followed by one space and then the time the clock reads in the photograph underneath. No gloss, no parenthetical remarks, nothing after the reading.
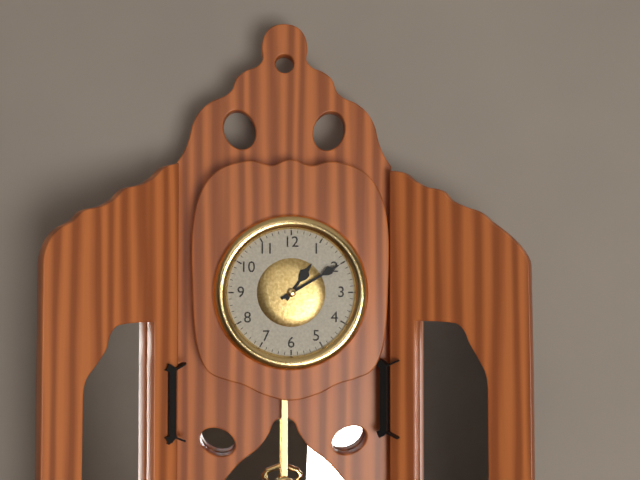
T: 1:10
